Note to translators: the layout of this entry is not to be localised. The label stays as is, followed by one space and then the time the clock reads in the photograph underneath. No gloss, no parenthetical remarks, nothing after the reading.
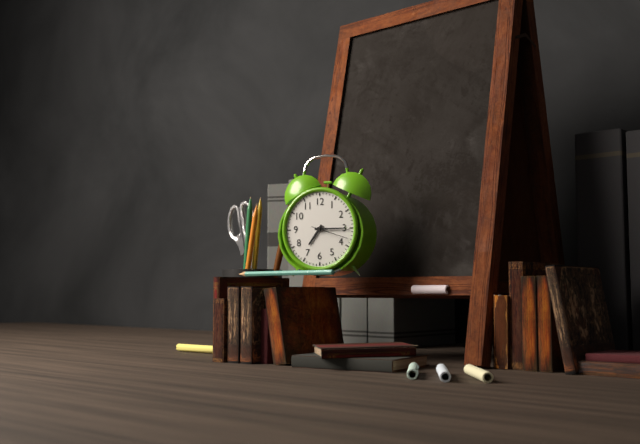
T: 7:15
